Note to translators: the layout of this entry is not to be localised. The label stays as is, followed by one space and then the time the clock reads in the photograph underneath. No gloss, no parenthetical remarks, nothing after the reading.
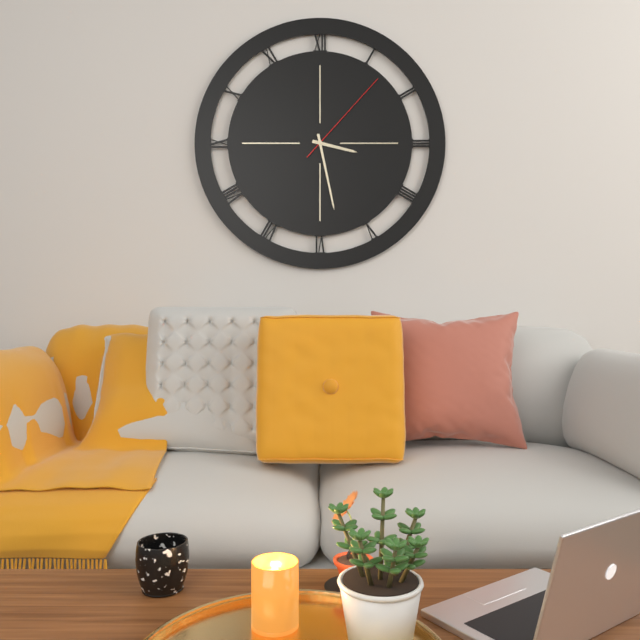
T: 3:28:07
